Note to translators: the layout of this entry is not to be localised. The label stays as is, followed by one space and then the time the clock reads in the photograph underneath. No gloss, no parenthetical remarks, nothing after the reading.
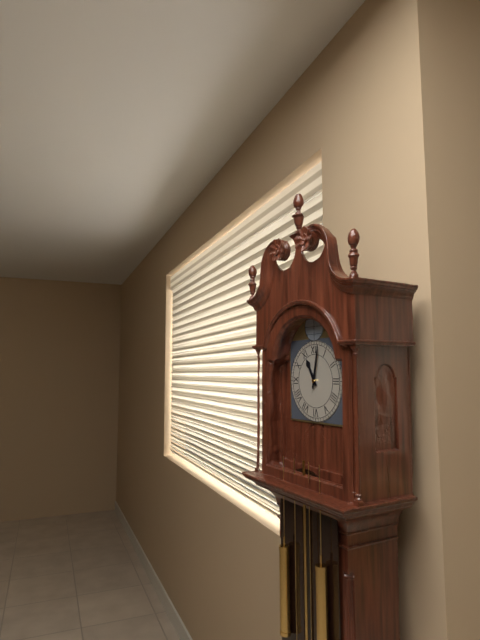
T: 11:02
